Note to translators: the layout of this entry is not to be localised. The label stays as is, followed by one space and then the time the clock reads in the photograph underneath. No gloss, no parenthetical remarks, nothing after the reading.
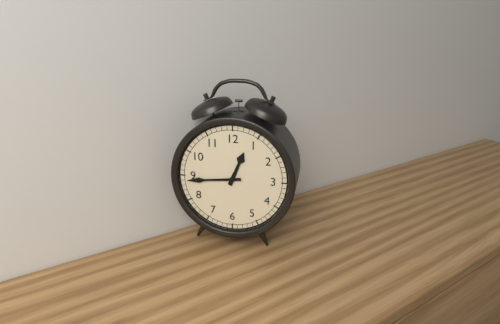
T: 12:44
